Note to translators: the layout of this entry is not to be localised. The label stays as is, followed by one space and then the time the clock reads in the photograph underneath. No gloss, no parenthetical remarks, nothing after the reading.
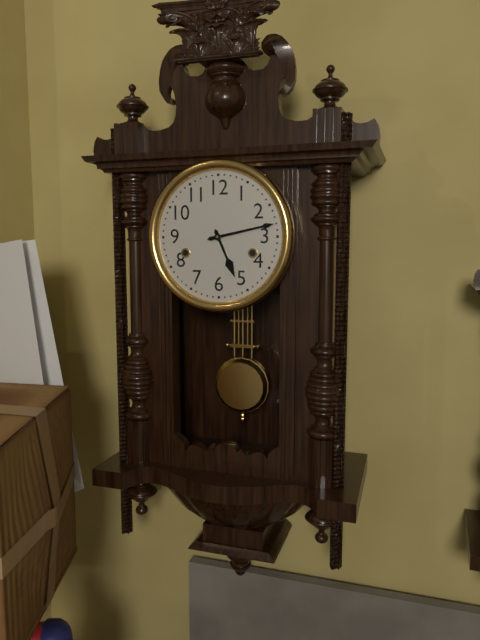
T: 5:13
